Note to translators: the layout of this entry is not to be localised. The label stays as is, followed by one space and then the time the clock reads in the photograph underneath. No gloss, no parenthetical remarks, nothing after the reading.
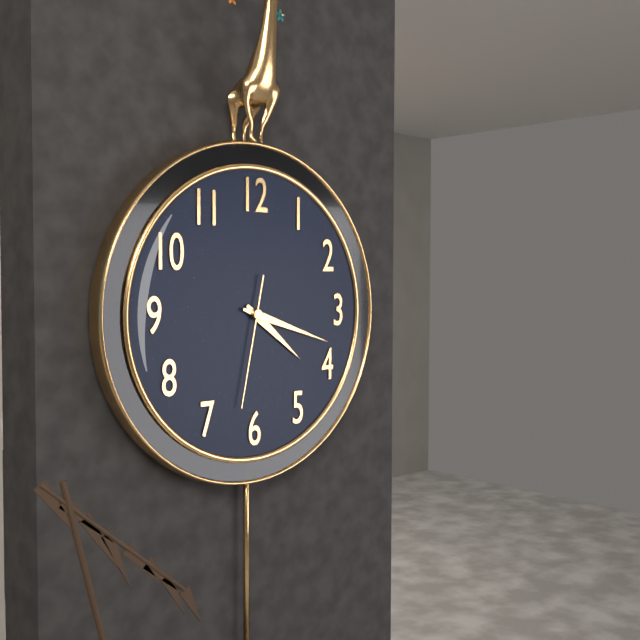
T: 4:18:32
